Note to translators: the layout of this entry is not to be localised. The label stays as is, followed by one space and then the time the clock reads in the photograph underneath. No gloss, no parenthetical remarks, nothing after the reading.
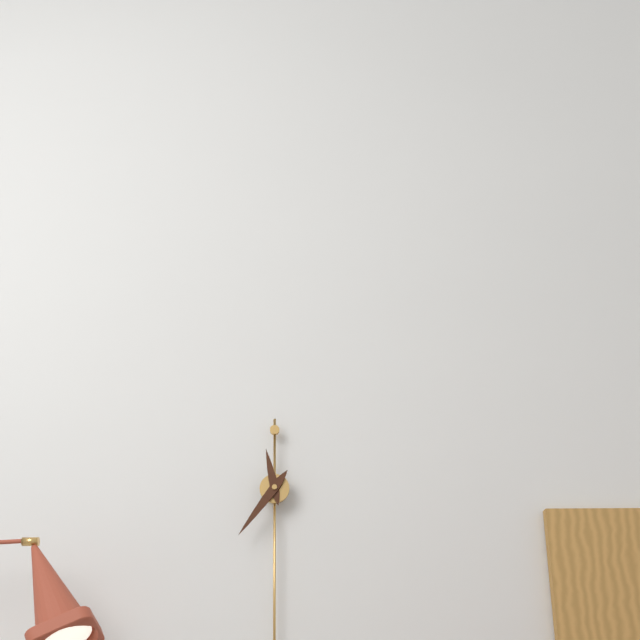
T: 11:36
